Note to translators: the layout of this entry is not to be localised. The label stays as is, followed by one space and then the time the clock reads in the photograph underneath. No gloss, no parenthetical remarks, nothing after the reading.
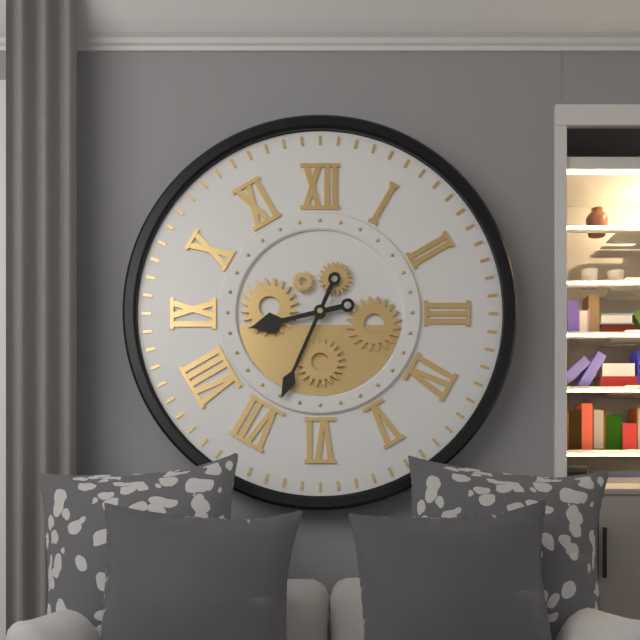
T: 8:34
